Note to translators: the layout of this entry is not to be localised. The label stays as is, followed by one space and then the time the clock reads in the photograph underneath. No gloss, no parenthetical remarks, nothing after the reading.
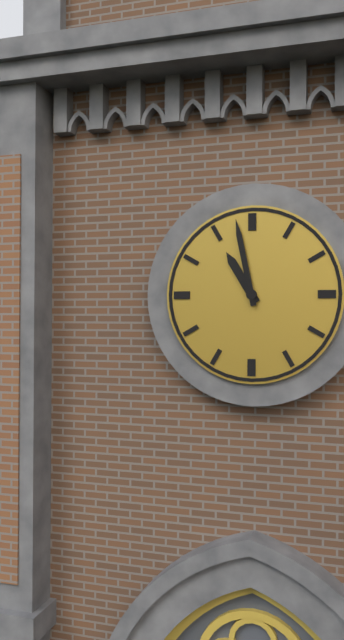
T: 10:58
